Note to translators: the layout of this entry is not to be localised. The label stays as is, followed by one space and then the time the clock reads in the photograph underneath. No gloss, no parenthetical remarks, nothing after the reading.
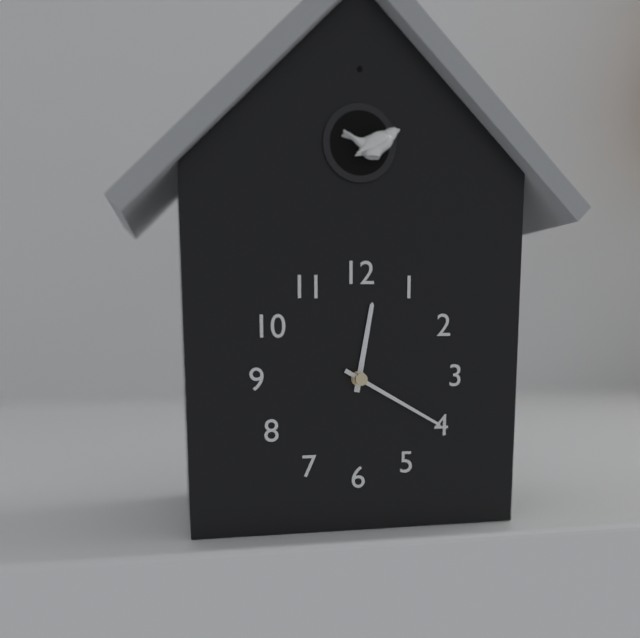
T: 12:20
